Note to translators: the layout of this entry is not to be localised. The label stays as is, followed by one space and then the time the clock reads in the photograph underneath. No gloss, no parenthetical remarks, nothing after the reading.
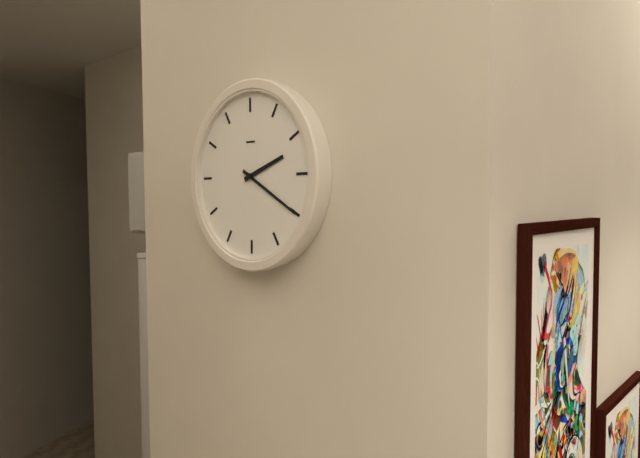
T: 2:20
